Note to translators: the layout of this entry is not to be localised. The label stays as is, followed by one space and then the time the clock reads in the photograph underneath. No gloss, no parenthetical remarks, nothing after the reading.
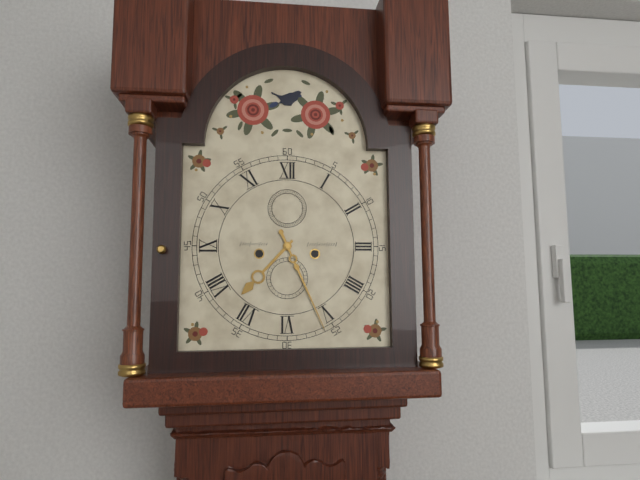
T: 7:26
